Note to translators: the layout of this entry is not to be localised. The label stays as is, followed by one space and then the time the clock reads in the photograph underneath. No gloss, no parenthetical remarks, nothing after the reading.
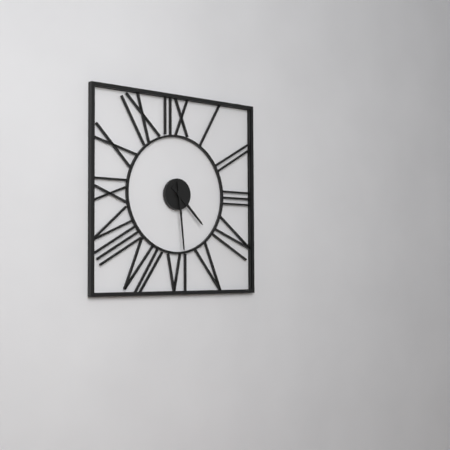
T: 4:29
